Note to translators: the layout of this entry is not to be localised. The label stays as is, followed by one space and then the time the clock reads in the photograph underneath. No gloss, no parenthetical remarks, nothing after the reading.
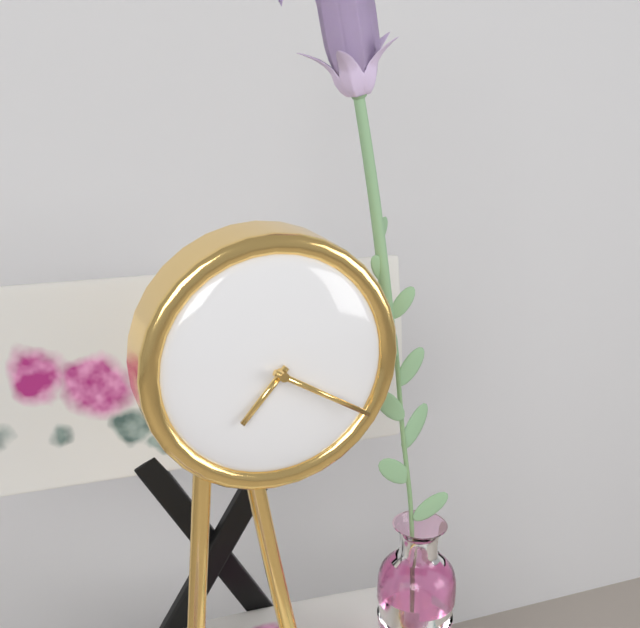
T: 7:20
